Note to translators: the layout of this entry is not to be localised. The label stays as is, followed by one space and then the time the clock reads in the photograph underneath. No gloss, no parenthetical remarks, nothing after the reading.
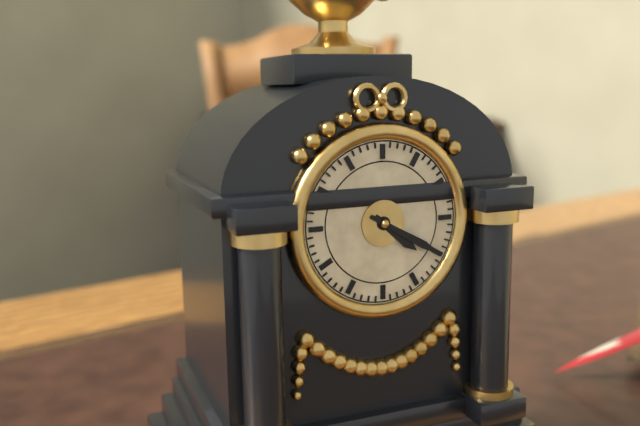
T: 4:20
